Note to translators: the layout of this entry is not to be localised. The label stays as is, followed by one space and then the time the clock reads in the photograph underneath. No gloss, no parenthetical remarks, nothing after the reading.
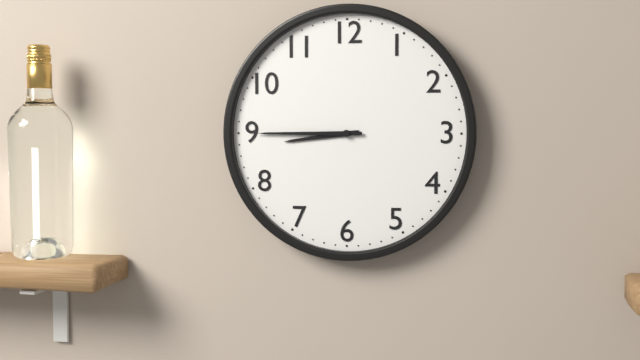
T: 8:45
